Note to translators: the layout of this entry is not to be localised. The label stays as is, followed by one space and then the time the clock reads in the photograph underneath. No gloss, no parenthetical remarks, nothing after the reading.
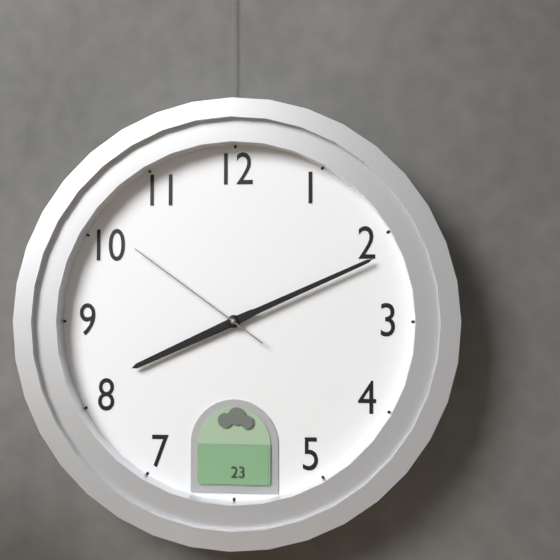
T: 8:11:51
